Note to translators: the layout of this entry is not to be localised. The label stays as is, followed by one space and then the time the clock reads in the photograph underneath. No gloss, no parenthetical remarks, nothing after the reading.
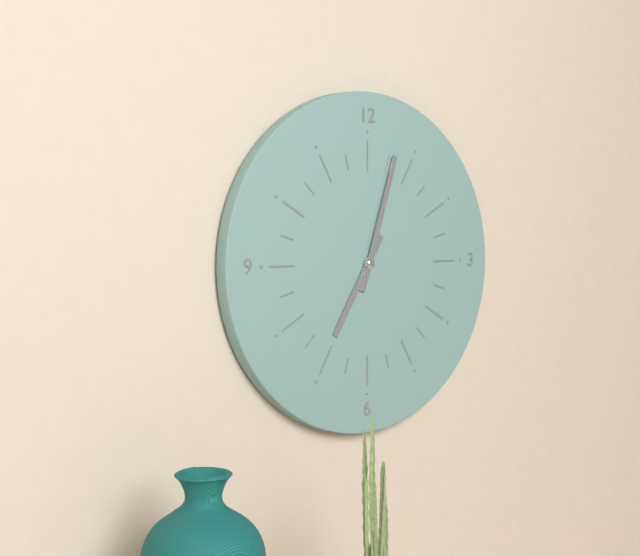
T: 7:03
